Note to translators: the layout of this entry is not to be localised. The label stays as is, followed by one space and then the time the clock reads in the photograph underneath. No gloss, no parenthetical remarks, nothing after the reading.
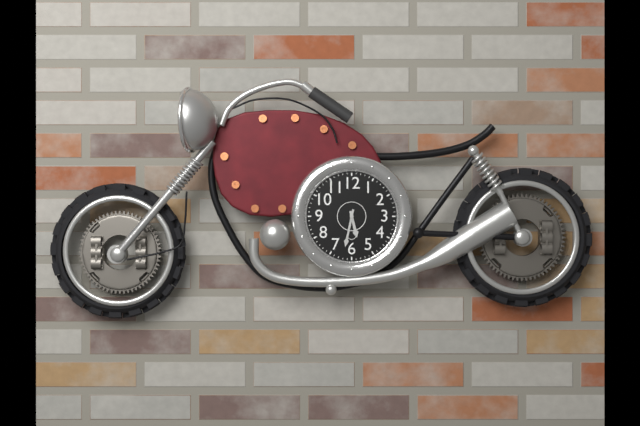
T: 5:32
